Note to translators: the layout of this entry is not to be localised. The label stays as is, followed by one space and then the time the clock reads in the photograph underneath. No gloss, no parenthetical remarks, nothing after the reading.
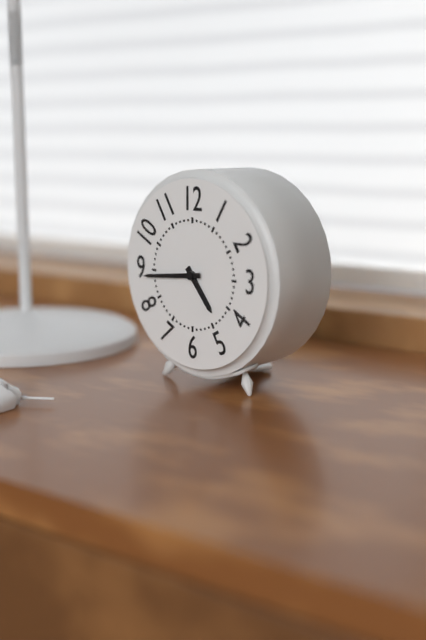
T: 4:44
